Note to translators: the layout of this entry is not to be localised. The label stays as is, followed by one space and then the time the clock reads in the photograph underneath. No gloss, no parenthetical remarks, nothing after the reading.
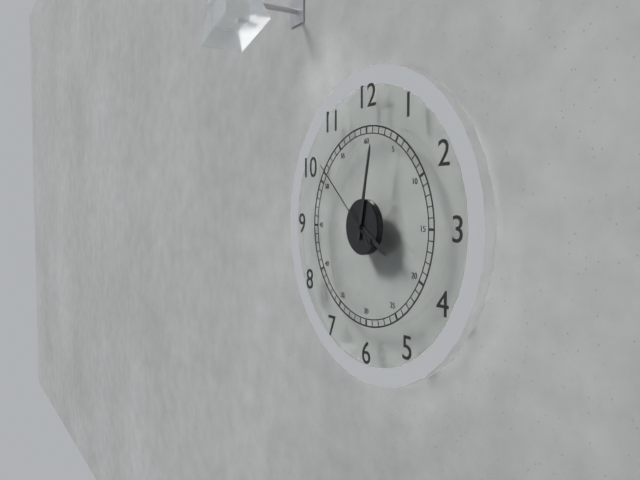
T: 4:02:52
